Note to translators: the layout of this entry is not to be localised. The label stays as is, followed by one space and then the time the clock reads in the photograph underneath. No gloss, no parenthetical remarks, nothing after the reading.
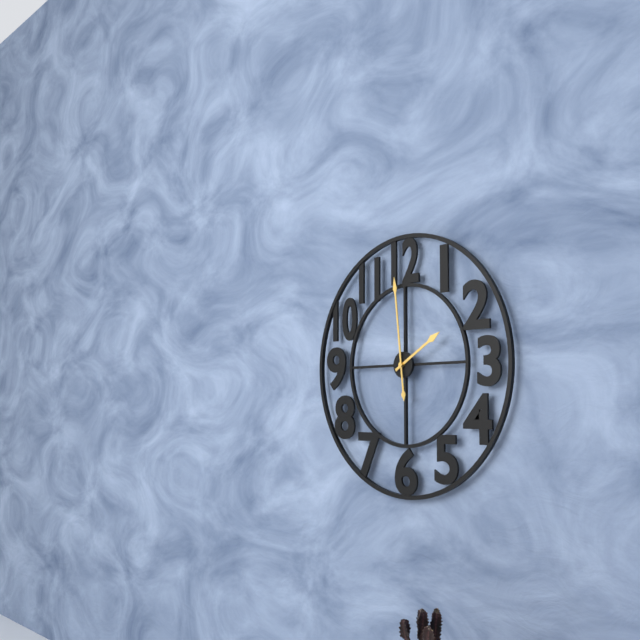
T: 1:59
